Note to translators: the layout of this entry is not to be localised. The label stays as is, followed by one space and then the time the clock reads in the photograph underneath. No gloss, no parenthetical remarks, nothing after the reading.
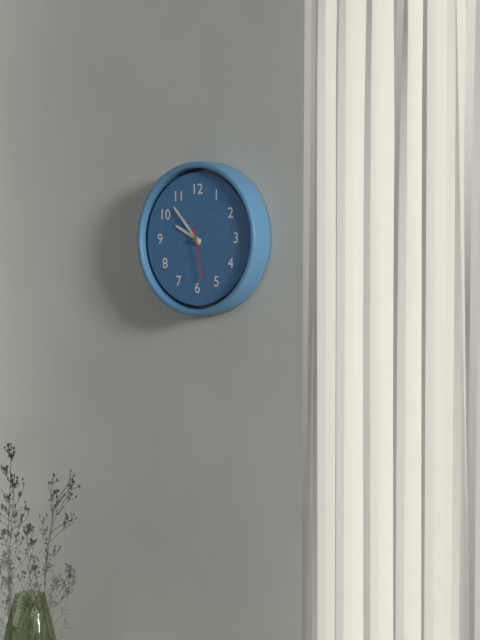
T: 9:53:28
